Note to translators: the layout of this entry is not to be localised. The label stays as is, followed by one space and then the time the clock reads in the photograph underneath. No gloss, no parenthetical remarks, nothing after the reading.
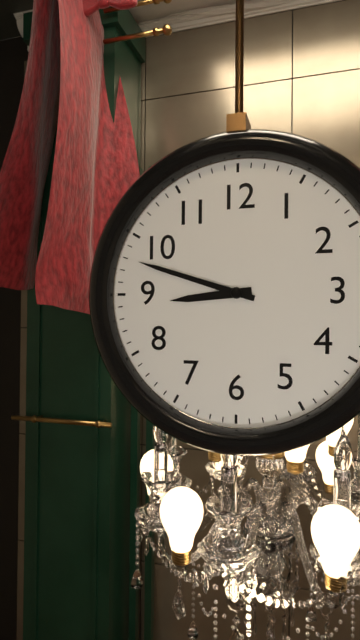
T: 8:48
